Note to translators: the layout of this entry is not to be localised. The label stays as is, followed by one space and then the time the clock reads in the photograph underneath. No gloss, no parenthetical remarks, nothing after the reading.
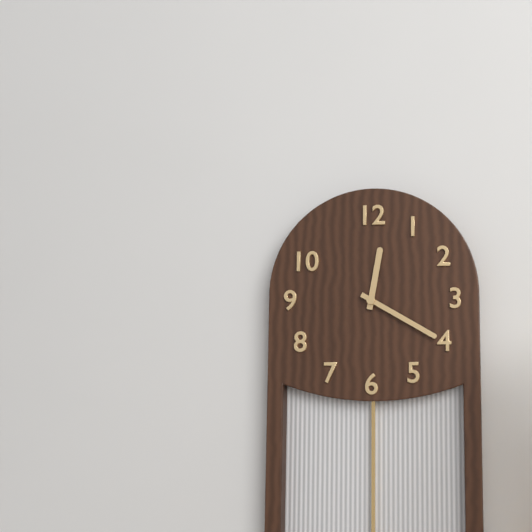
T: 12:20
